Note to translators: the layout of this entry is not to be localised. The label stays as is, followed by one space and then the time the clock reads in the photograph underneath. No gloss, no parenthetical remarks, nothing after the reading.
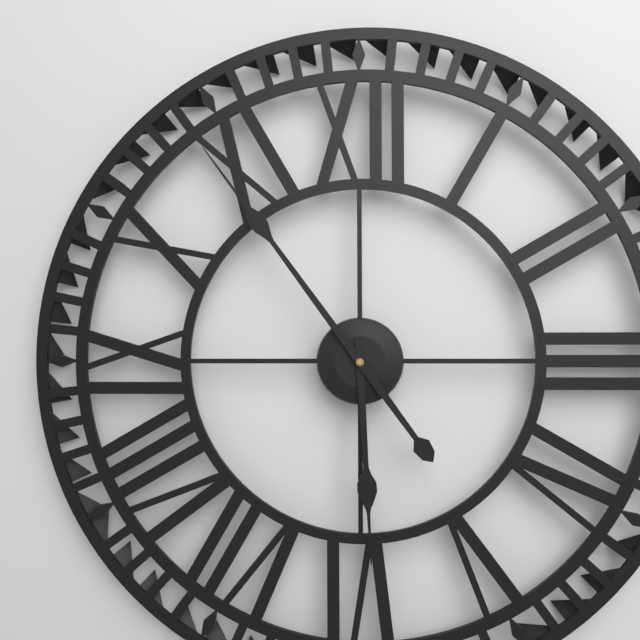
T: 5:54
